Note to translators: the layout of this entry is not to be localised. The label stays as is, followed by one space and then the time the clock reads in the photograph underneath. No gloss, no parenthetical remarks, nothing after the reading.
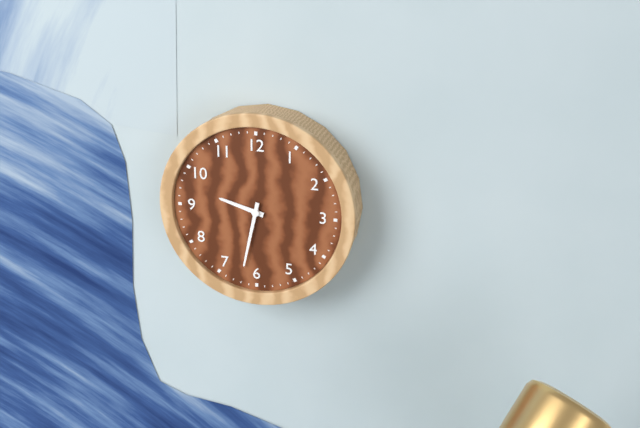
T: 9:32
